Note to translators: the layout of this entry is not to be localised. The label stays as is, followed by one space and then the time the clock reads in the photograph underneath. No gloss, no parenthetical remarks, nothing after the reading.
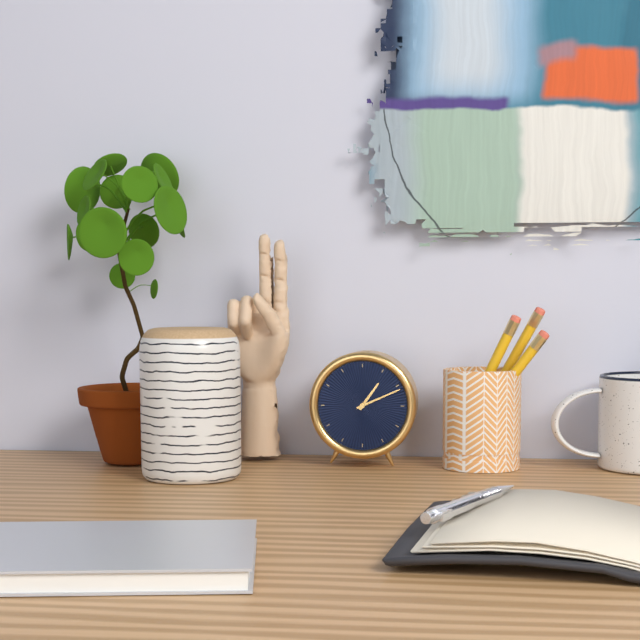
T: 1:11
